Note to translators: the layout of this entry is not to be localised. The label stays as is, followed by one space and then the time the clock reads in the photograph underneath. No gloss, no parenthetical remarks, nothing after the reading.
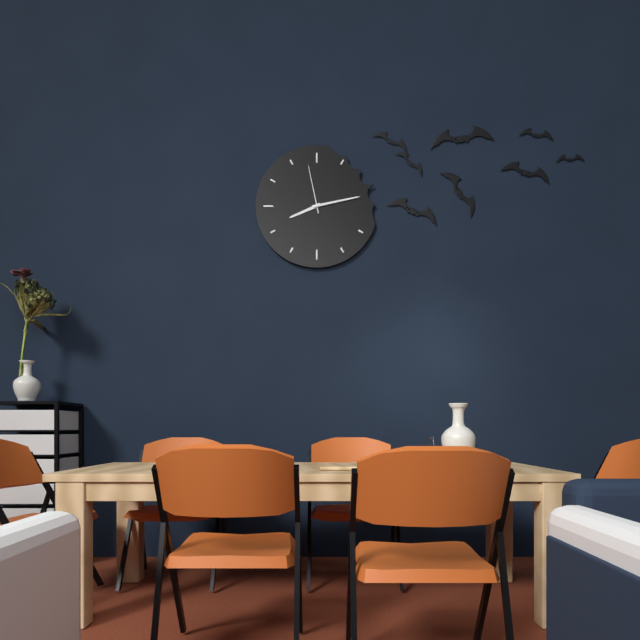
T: 8:13:58
